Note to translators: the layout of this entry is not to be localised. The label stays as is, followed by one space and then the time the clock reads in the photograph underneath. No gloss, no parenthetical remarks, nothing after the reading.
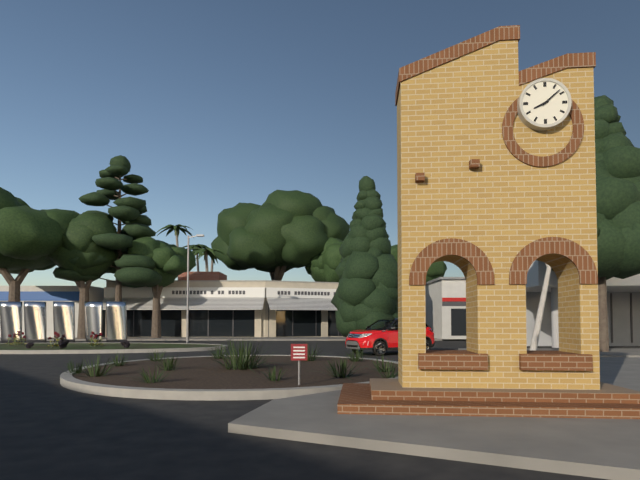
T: 8:08
